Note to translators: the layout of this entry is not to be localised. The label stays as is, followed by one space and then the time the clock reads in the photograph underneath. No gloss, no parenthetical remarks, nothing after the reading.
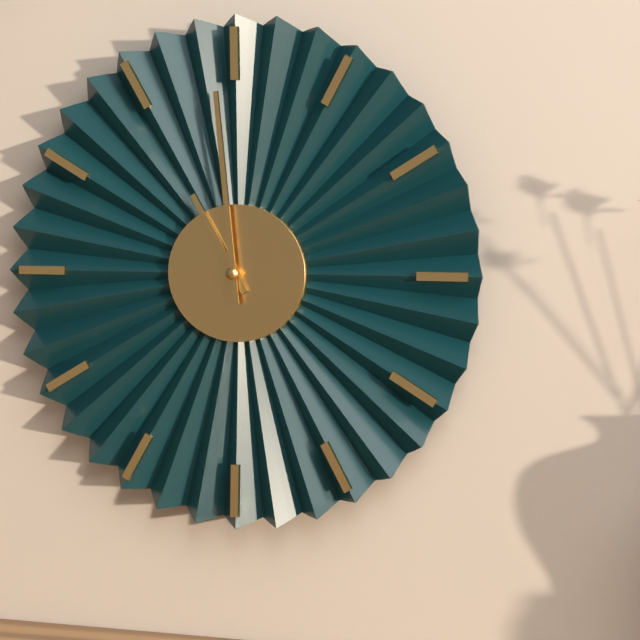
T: 10:59
